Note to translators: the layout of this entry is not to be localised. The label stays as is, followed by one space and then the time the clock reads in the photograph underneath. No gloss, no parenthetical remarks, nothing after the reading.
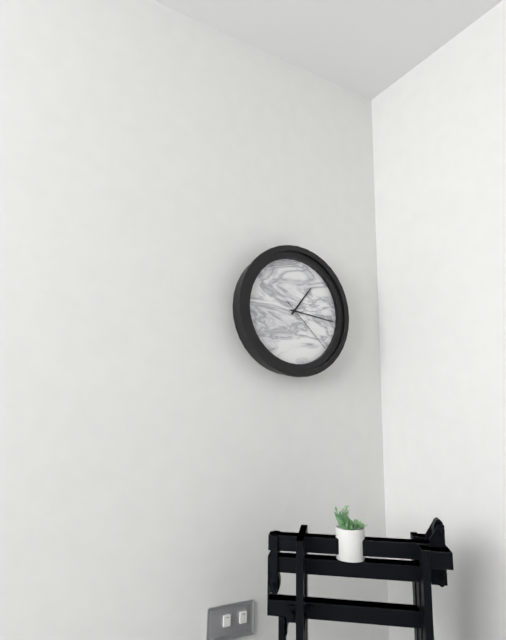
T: 1:16:22
